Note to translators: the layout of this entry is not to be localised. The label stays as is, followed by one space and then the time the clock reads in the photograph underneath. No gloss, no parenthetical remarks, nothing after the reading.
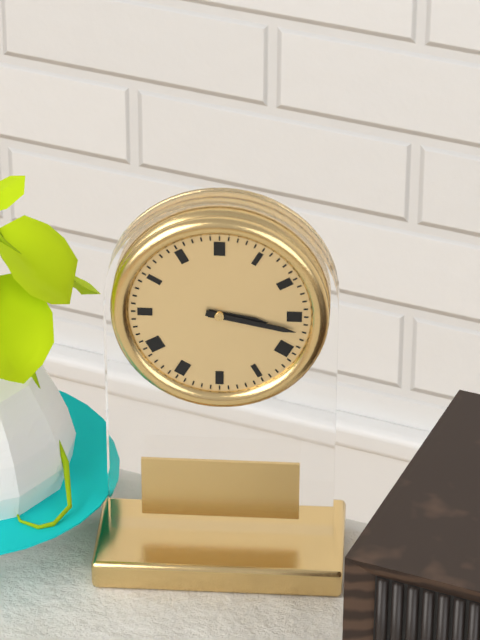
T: 3:17
